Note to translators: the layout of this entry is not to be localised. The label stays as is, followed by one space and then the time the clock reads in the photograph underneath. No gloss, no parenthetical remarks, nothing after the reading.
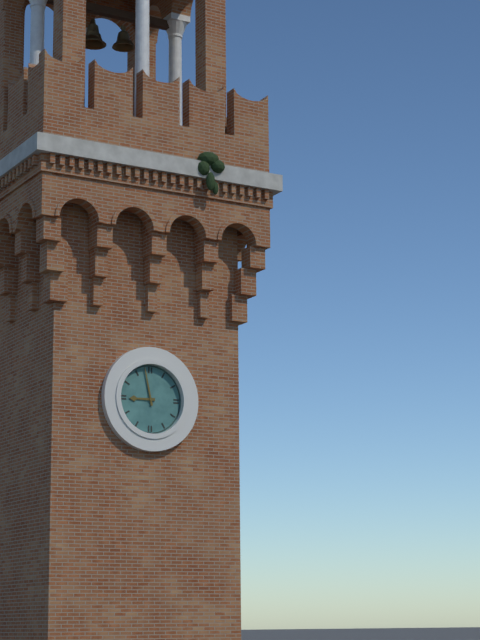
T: 8:58
